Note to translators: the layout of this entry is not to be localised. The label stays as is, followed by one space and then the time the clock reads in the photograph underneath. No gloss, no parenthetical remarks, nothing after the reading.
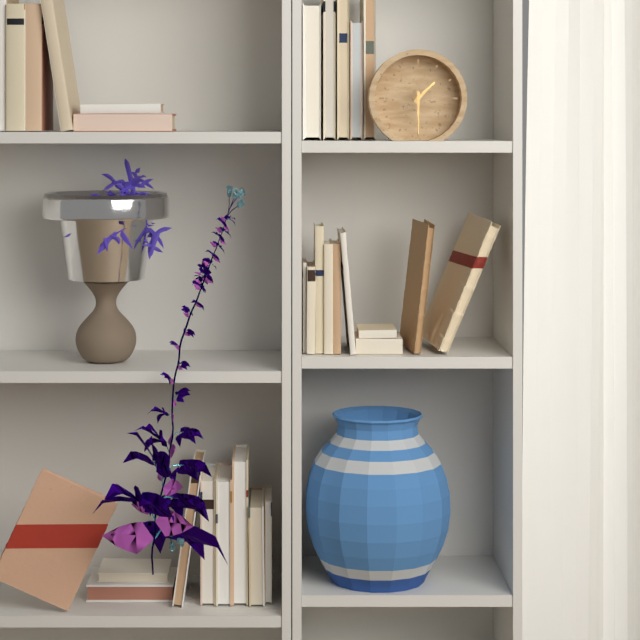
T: 1:30
